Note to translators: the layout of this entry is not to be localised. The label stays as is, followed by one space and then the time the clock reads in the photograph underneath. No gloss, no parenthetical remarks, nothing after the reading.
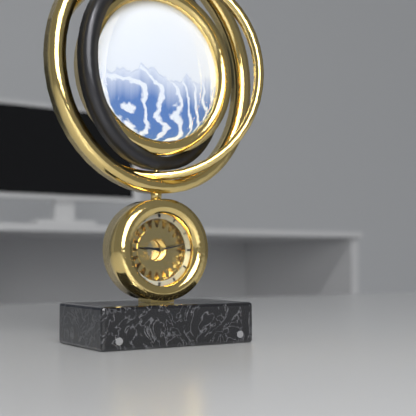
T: 9:13
